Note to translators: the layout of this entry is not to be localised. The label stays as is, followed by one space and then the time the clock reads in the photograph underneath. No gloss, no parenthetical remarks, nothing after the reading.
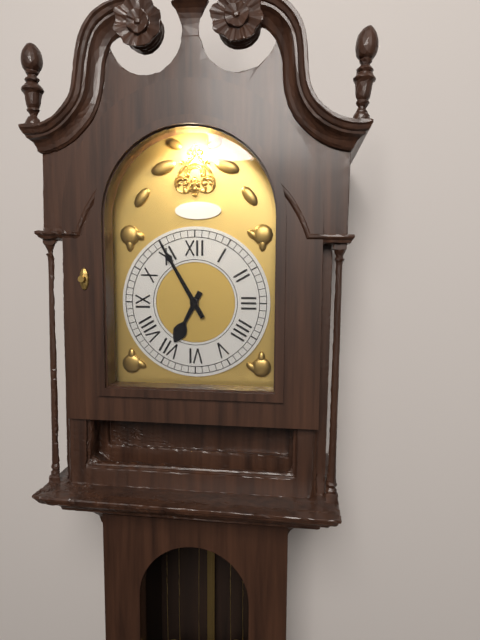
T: 6:55
